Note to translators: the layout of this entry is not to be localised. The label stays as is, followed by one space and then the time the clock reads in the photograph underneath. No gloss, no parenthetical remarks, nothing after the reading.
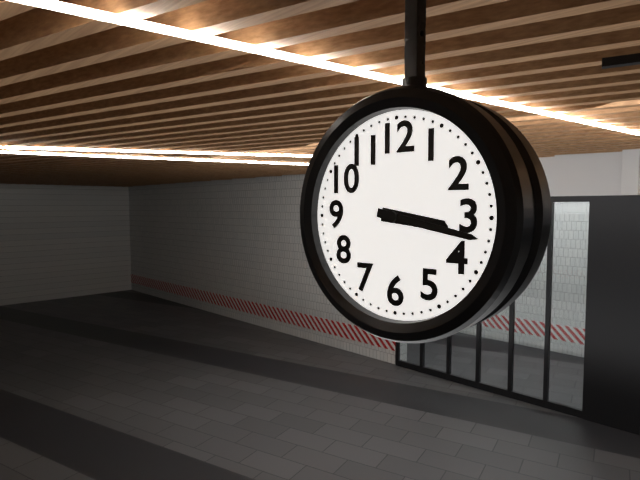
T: 3:17
